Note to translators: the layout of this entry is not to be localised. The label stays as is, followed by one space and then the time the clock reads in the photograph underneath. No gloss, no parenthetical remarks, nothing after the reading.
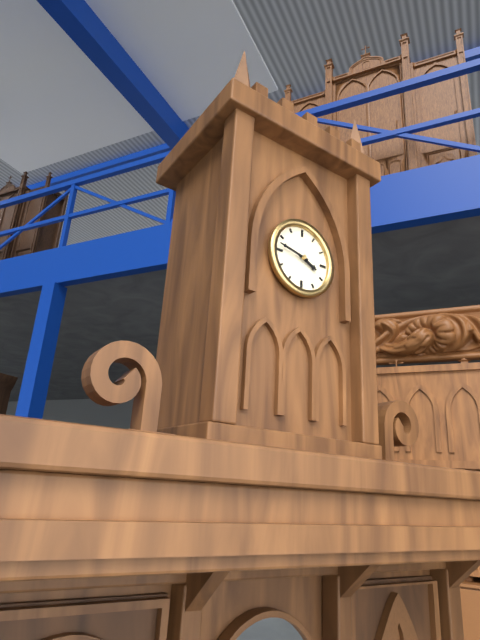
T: 3:47
